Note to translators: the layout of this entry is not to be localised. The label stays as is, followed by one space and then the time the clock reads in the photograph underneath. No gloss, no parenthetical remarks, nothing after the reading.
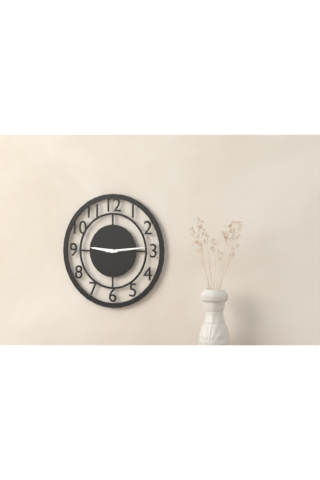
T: 9:14
